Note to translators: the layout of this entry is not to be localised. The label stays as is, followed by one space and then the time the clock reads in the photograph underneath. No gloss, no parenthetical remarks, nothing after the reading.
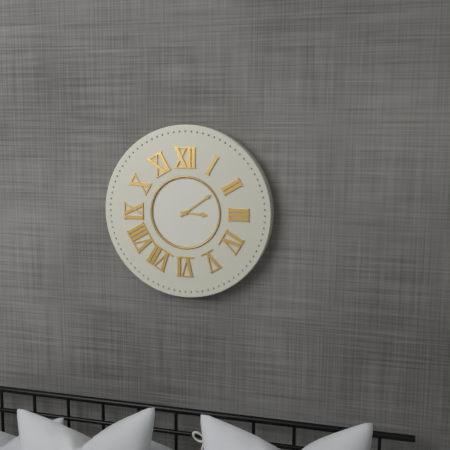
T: 3:09
